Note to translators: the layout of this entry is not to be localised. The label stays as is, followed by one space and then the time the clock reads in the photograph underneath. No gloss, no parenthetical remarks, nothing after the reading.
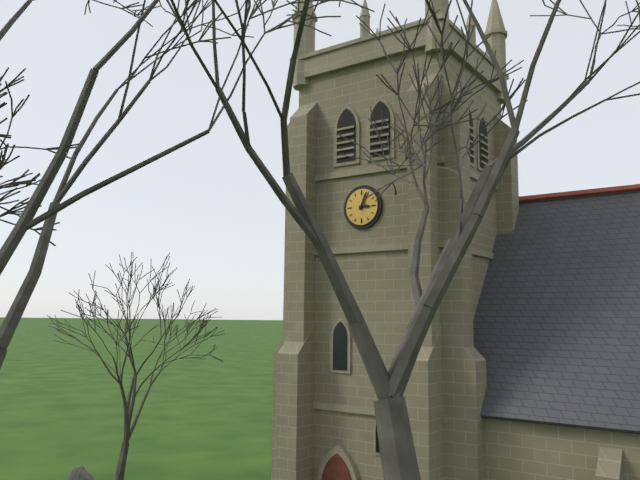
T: 3:04
